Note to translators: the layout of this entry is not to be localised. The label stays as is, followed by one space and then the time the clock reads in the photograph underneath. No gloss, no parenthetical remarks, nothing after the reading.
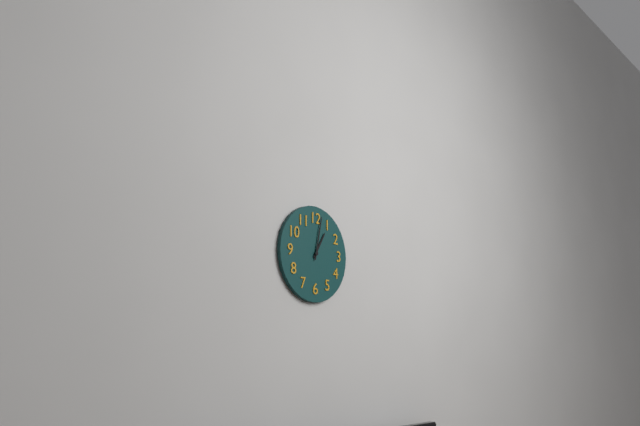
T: 1:02
